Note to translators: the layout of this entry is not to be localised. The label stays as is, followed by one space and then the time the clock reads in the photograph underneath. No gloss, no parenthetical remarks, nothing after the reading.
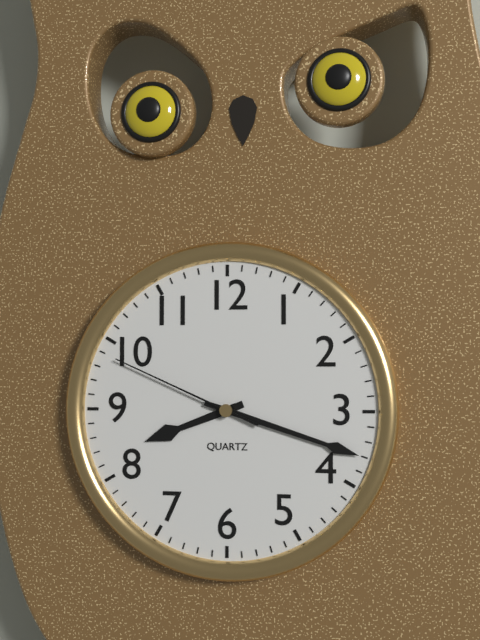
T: 8:18:49
